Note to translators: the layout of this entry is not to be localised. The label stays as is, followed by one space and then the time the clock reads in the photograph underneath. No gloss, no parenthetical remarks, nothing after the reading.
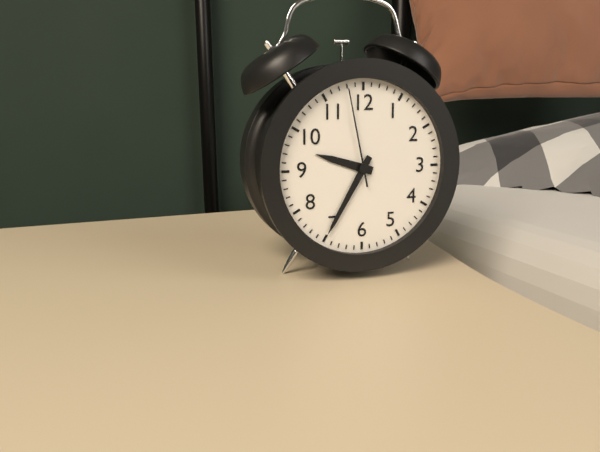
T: 9:35:58
